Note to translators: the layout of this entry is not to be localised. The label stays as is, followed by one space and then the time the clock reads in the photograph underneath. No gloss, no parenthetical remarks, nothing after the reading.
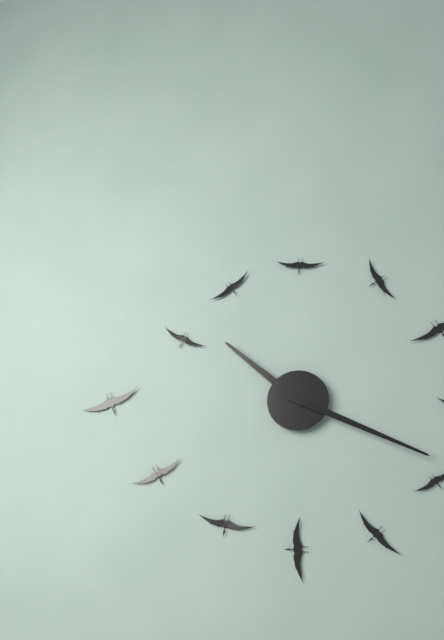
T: 10:19
